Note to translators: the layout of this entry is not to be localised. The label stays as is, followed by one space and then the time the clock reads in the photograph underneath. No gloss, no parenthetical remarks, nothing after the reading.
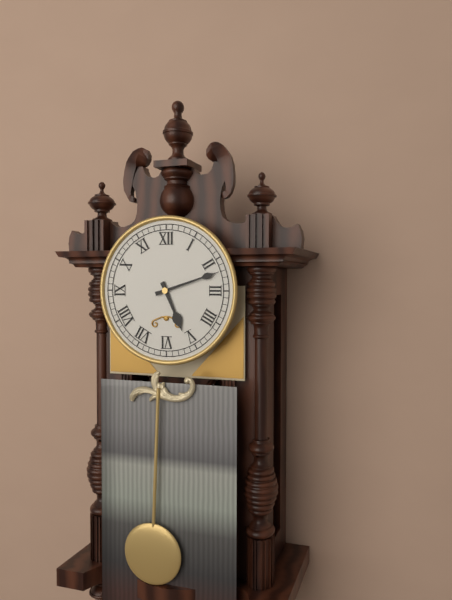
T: 5:12
